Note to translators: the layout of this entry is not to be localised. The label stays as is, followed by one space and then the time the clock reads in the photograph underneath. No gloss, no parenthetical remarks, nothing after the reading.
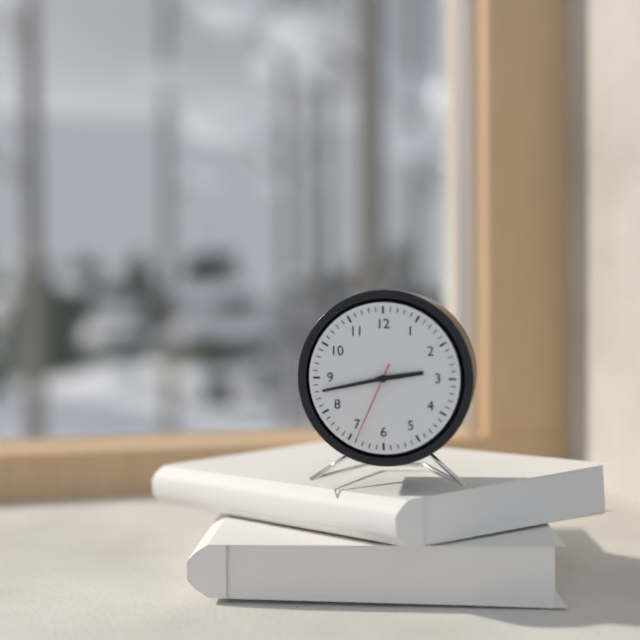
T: 2:43:34
